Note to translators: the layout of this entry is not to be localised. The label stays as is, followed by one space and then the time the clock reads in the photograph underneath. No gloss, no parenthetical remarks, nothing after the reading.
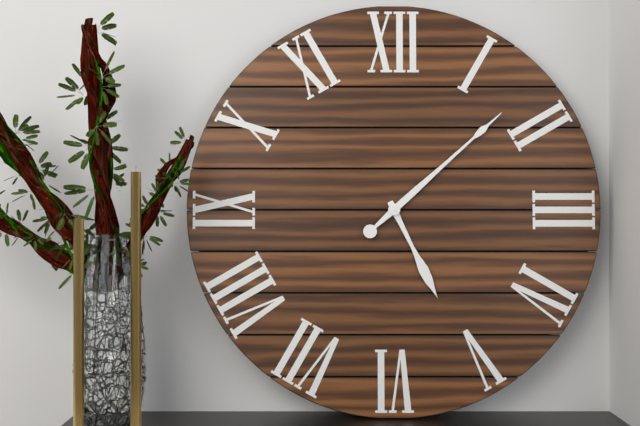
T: 5:08
